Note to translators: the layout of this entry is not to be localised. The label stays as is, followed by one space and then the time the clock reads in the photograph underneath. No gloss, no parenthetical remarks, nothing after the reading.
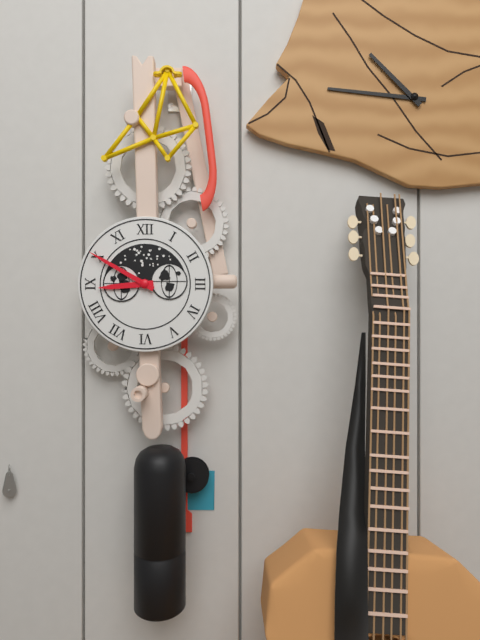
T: 8:50
